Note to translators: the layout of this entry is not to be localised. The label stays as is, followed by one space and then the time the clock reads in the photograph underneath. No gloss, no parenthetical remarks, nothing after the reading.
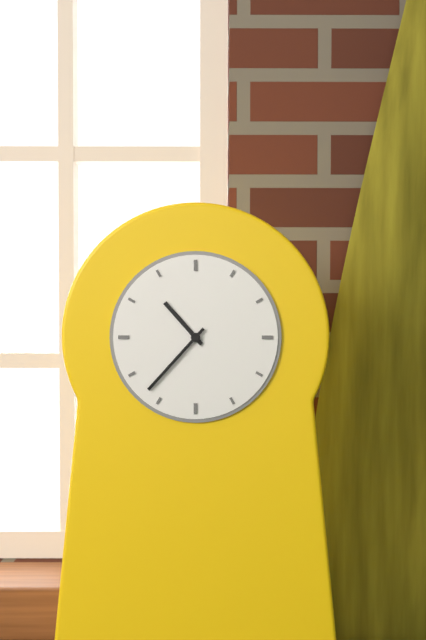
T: 10:37
